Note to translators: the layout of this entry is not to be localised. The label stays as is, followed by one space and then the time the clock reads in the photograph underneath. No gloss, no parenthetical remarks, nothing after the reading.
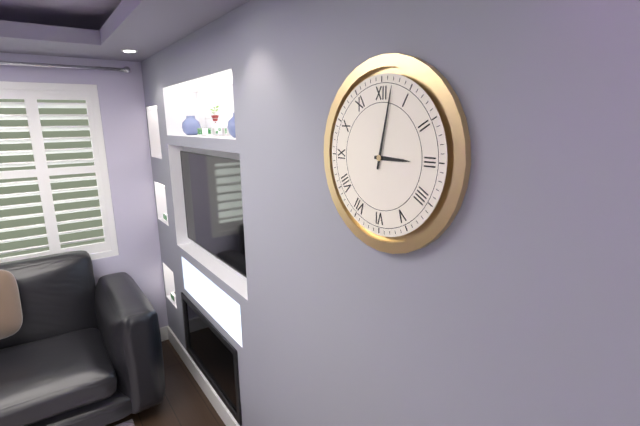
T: 3:02
